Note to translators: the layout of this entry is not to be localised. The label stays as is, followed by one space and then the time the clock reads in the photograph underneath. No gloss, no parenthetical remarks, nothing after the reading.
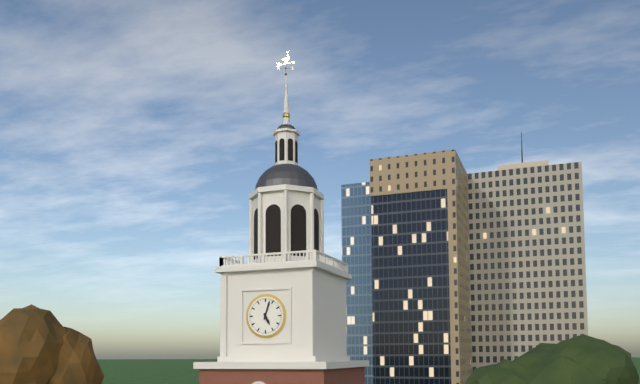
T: 5:03
